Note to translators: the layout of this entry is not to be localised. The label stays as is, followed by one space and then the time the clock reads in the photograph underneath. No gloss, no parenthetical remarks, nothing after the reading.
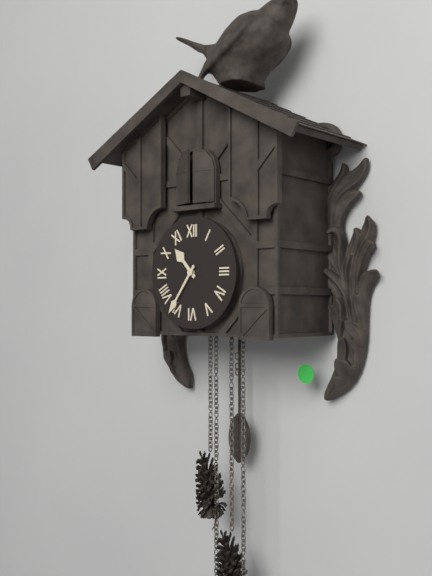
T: 10:36
